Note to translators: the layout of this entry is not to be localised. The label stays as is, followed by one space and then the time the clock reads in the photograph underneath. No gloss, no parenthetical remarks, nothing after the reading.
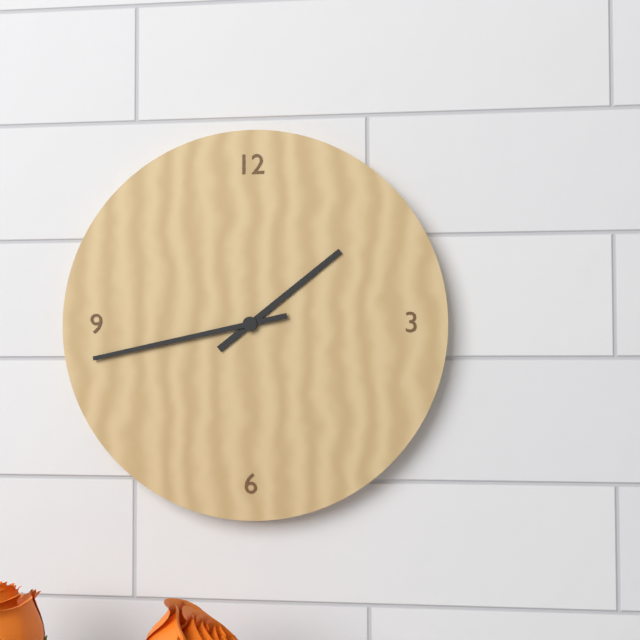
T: 1:43
